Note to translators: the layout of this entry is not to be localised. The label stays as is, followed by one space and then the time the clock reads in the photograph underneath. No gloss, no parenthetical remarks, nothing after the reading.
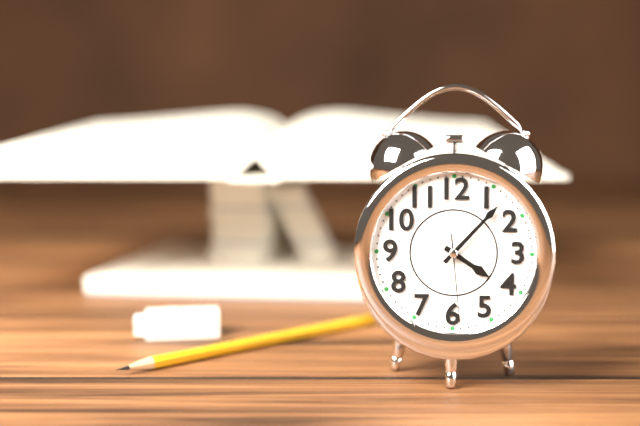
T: 4:07:29
